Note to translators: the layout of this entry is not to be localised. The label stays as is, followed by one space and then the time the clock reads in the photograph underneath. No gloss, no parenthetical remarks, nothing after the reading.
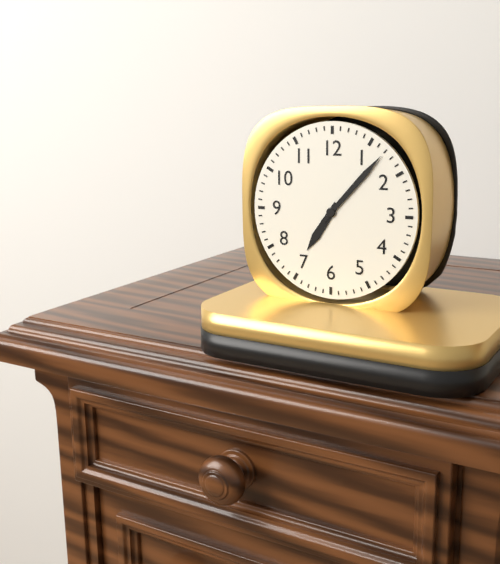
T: 7:07
